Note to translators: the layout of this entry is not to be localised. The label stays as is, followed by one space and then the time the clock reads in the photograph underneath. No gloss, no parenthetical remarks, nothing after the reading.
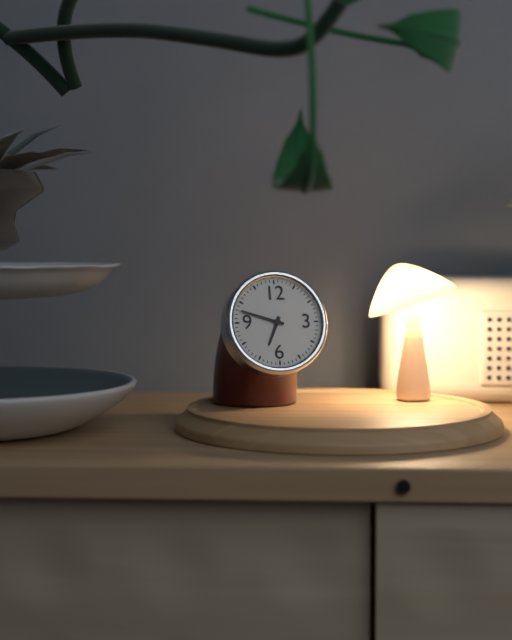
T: 6:48
